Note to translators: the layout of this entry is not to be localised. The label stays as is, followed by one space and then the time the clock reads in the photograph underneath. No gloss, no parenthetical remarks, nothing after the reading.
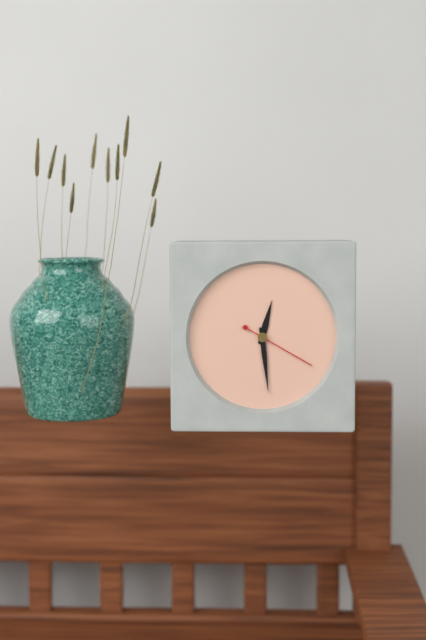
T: 12:29:20
